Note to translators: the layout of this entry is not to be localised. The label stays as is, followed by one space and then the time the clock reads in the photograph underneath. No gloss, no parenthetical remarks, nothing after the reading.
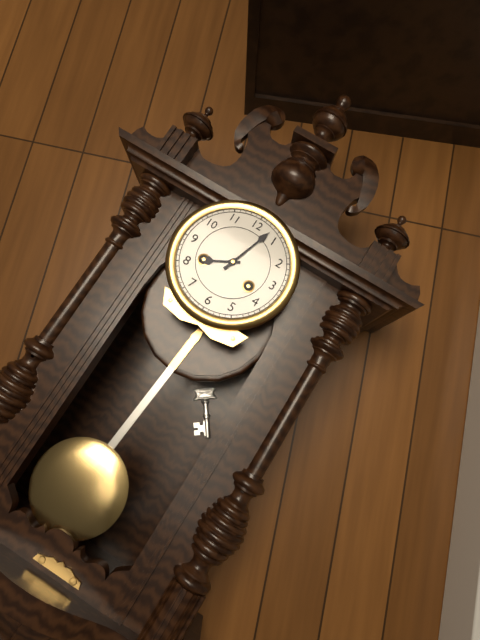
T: 8:03
